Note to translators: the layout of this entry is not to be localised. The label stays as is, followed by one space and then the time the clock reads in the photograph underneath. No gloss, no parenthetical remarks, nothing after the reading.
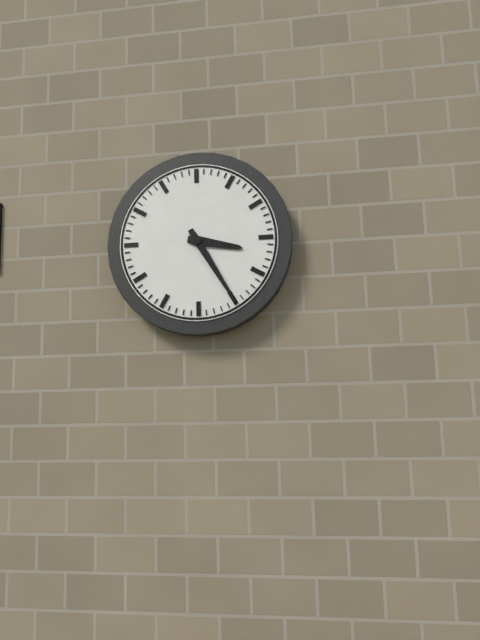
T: 3:25
